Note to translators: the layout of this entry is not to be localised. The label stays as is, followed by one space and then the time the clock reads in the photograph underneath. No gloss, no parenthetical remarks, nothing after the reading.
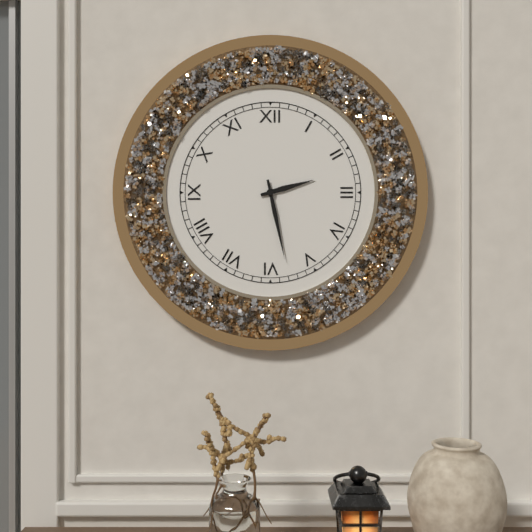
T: 2:28
